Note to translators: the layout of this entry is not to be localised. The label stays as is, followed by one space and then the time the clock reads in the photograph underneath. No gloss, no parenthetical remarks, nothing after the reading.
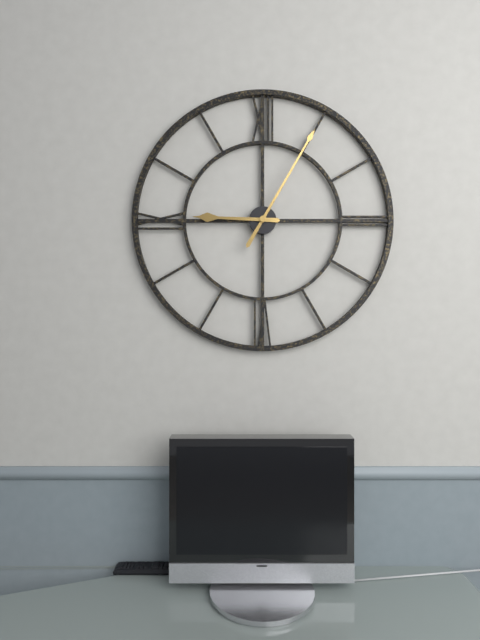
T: 9:05
